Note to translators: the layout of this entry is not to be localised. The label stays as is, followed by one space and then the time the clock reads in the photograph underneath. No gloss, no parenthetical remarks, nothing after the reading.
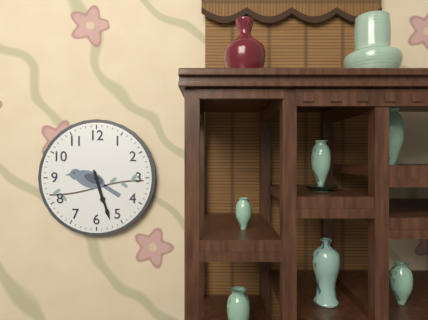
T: 5:27
